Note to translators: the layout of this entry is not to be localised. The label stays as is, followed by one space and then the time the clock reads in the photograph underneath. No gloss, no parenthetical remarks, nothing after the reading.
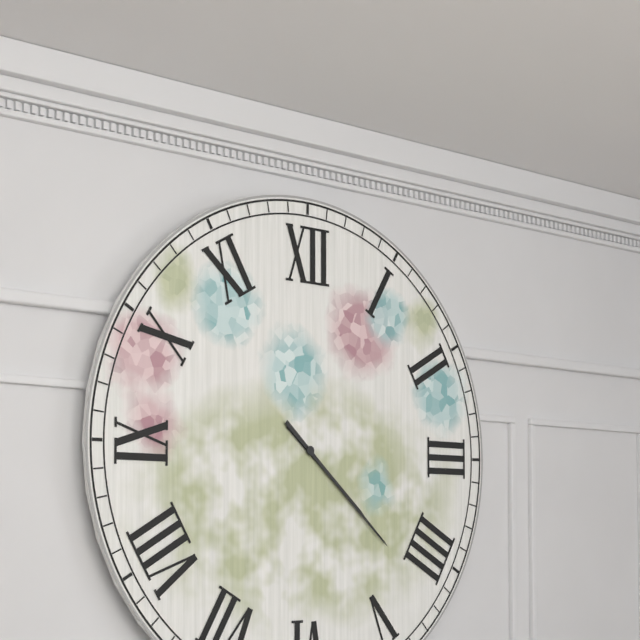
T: 4:22
